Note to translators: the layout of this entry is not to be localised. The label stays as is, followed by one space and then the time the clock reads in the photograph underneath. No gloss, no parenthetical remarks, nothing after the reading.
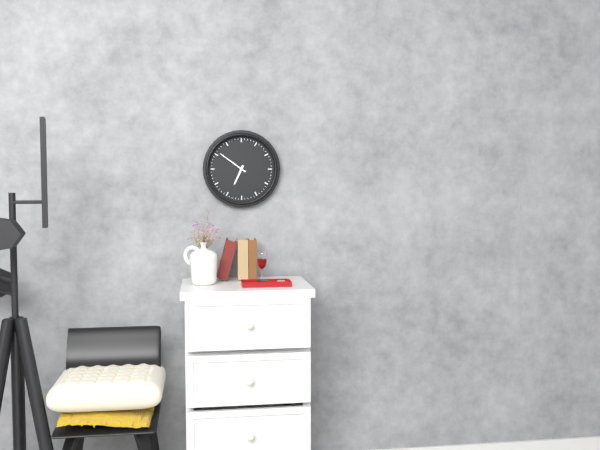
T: 6:51
